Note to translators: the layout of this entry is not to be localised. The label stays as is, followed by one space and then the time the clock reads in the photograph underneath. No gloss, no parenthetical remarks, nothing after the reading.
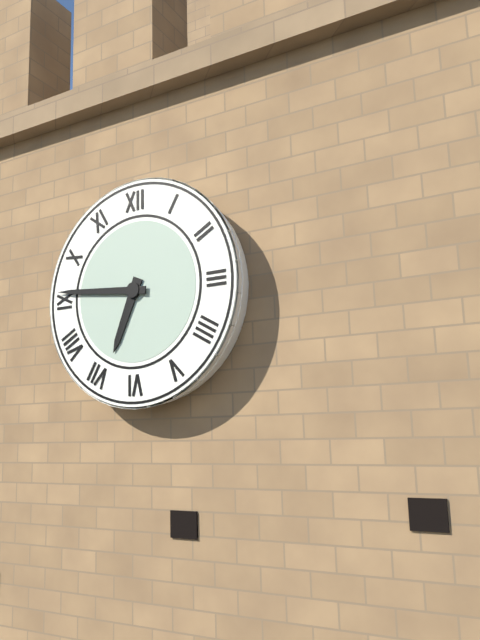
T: 6:46
